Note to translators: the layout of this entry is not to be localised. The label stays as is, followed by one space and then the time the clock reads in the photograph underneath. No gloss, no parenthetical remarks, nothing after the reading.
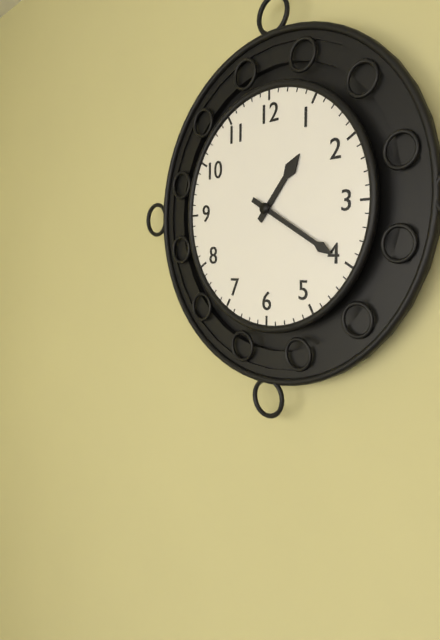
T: 1:20
